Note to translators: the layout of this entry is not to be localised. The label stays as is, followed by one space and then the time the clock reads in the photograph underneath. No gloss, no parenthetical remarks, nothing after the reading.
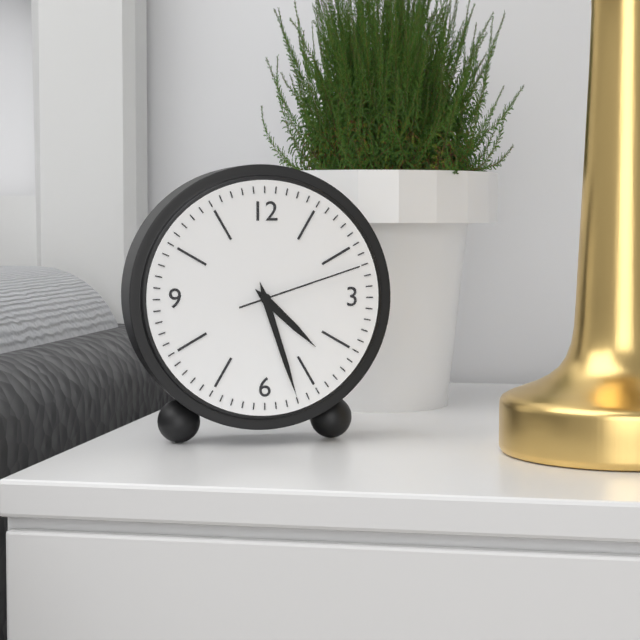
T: 4:27:12
